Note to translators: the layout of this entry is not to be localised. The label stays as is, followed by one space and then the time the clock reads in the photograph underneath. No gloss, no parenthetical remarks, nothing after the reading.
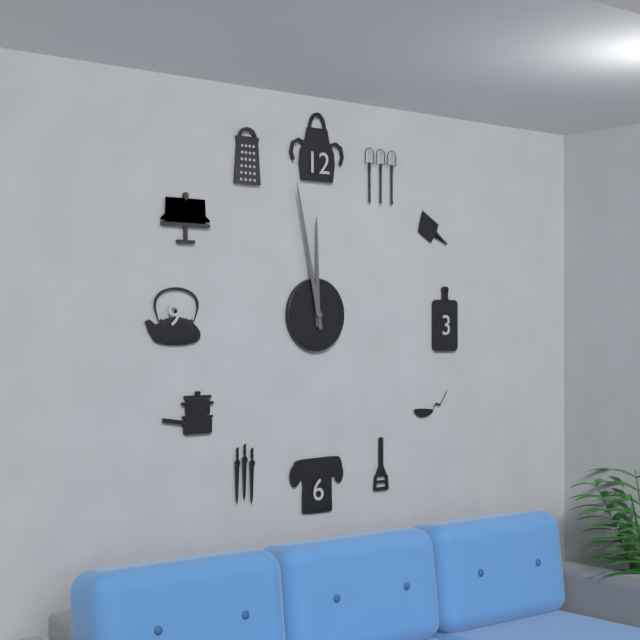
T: 11:58
